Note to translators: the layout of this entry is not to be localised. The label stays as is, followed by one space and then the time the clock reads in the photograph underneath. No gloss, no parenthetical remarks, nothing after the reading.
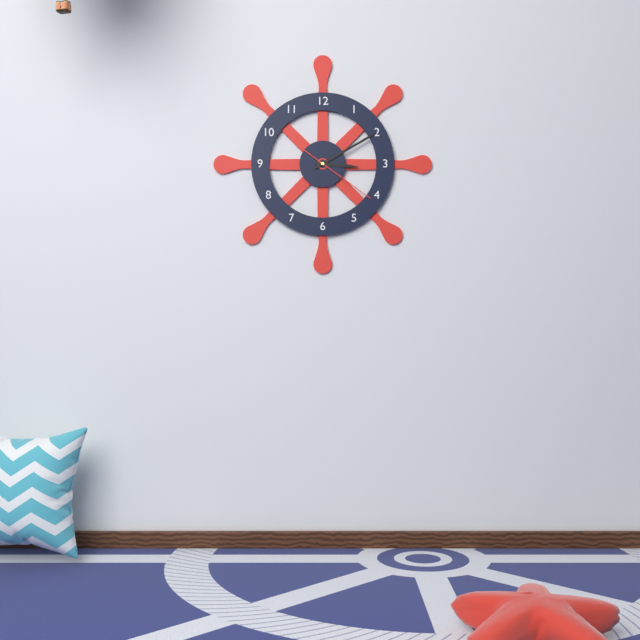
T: 3:10:21
